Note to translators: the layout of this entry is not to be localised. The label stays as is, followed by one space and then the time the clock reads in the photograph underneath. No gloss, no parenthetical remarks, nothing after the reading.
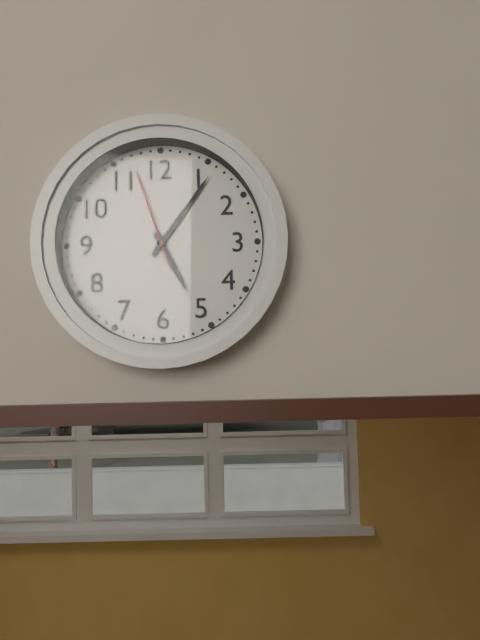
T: 5:06:57
